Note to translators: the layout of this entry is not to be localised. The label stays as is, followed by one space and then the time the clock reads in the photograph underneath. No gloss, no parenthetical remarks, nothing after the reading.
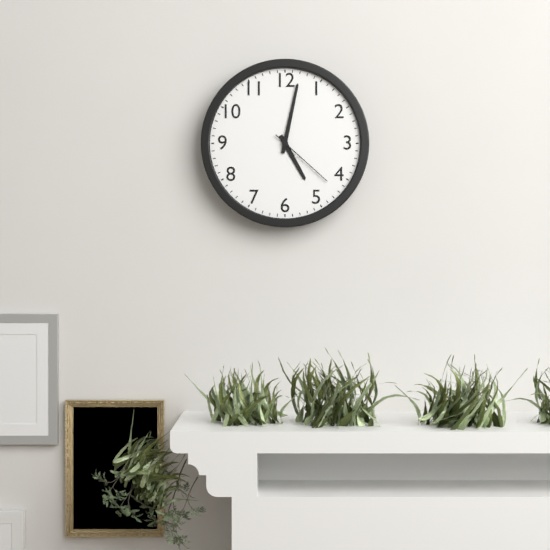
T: 5:02:22
